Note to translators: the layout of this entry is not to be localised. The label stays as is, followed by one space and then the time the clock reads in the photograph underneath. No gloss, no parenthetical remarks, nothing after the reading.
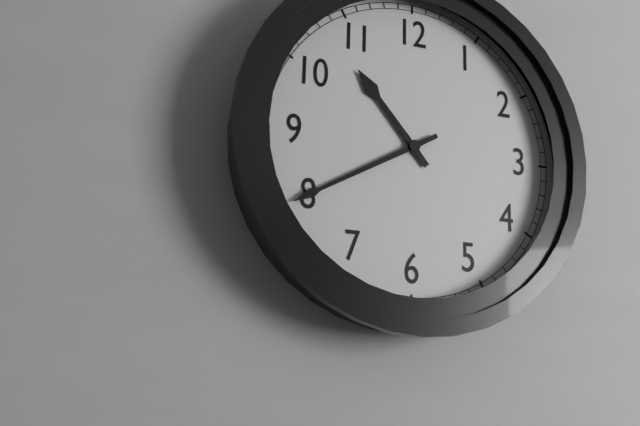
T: 10:40
